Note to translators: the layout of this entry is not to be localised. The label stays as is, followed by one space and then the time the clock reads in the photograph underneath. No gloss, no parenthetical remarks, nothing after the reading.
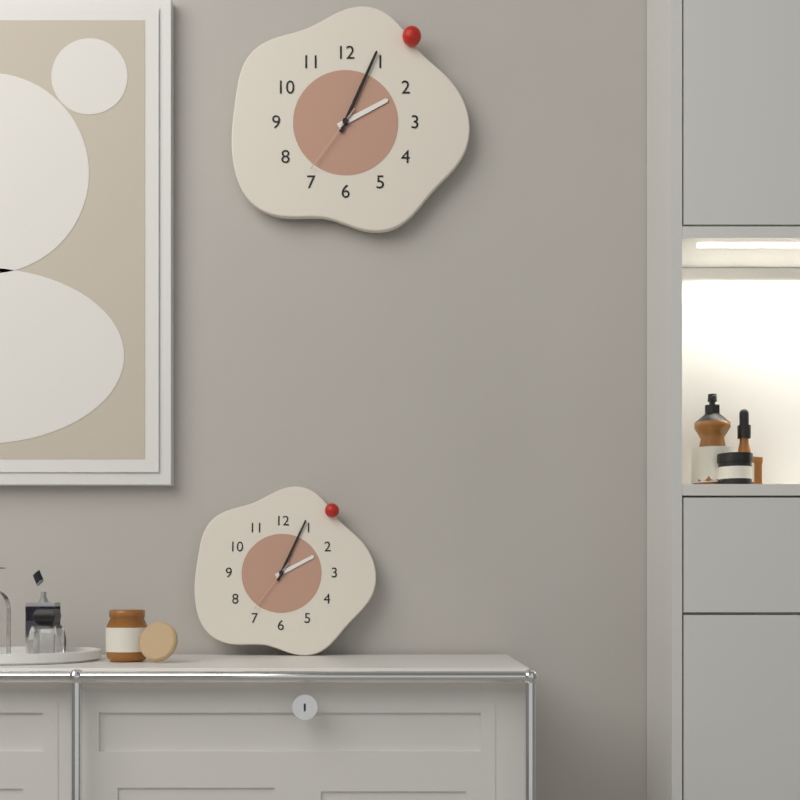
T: 2:04:36
